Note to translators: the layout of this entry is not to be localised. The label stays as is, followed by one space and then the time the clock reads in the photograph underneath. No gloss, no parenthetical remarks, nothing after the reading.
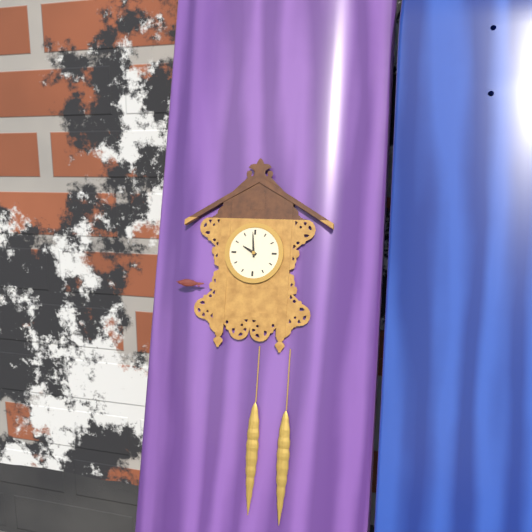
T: 9:59
